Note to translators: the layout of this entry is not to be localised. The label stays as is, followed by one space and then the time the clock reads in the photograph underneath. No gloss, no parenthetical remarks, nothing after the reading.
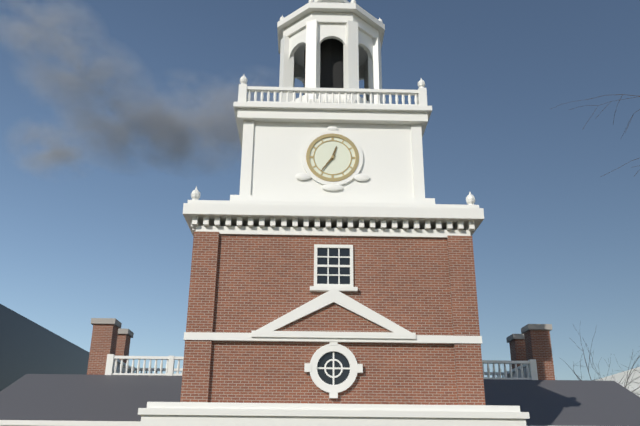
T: 12:36
